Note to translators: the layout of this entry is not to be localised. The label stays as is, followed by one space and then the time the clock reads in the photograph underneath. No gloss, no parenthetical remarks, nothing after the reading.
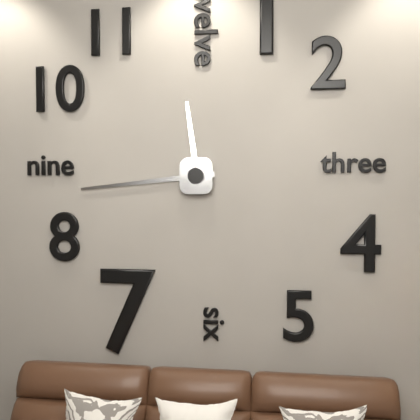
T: 11:44
